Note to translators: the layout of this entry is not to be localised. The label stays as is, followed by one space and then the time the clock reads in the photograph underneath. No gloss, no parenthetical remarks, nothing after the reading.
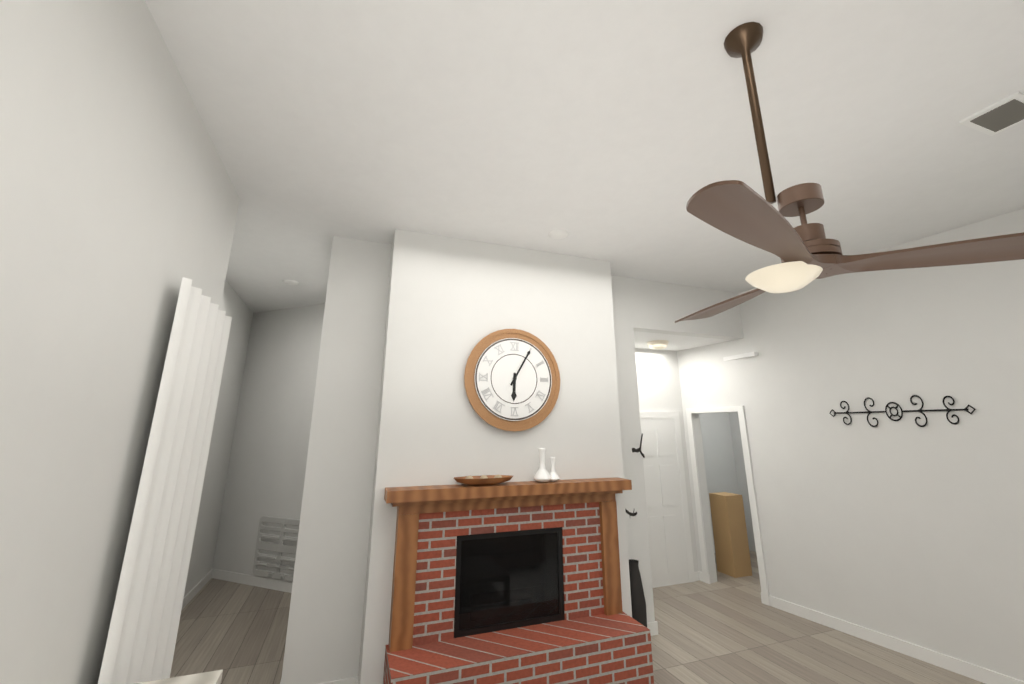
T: 6:05
